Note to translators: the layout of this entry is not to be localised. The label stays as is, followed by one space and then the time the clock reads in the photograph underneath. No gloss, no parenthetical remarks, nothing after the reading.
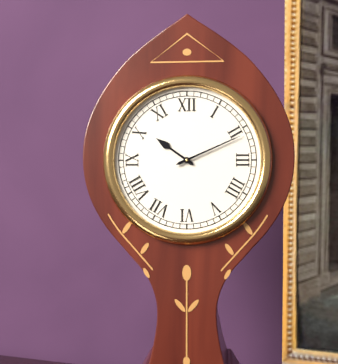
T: 10:11
